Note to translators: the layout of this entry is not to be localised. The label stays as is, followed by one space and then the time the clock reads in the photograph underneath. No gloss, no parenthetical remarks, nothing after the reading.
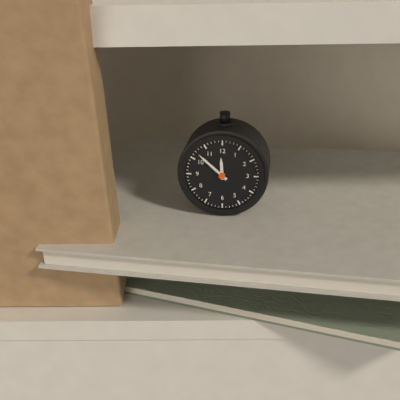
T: 11:52
